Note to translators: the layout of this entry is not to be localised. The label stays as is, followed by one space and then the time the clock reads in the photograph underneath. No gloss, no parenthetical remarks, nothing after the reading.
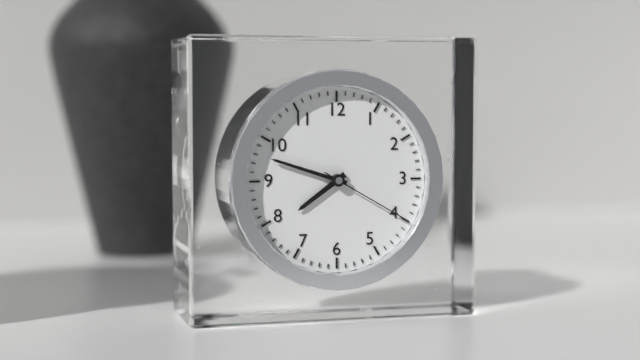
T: 7:48:20
